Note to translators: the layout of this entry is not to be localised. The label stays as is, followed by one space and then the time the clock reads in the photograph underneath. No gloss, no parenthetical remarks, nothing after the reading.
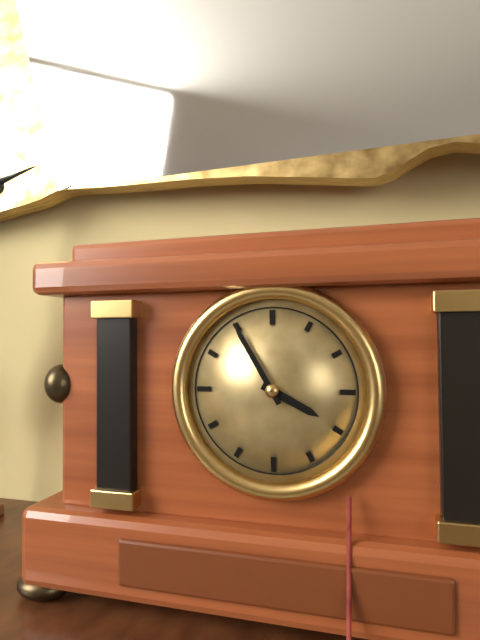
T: 3:55
